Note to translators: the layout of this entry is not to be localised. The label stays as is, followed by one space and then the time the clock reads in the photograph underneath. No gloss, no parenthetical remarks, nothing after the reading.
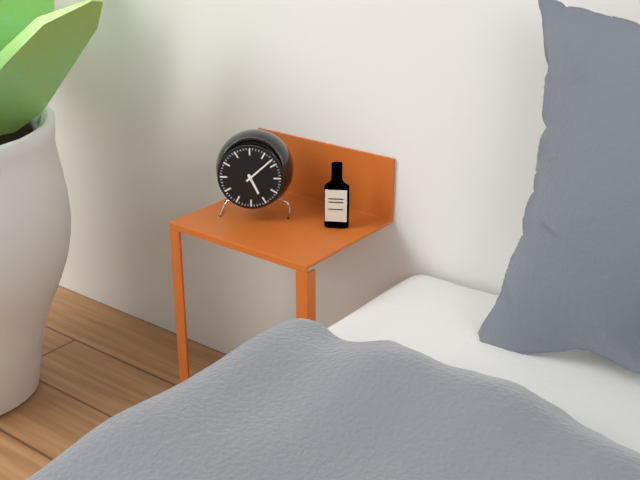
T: 5:08
